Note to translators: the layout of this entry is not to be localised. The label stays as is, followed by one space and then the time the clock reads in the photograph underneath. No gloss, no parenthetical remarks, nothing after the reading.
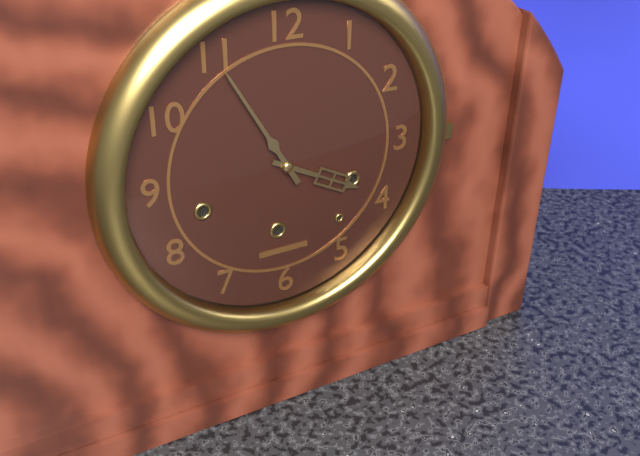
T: 3:55
